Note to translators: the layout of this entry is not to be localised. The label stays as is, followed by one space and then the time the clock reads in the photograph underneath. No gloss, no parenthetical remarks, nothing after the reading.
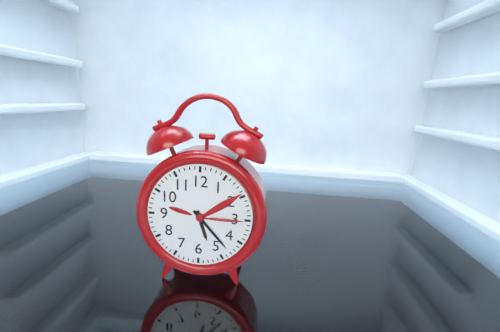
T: 5:23
